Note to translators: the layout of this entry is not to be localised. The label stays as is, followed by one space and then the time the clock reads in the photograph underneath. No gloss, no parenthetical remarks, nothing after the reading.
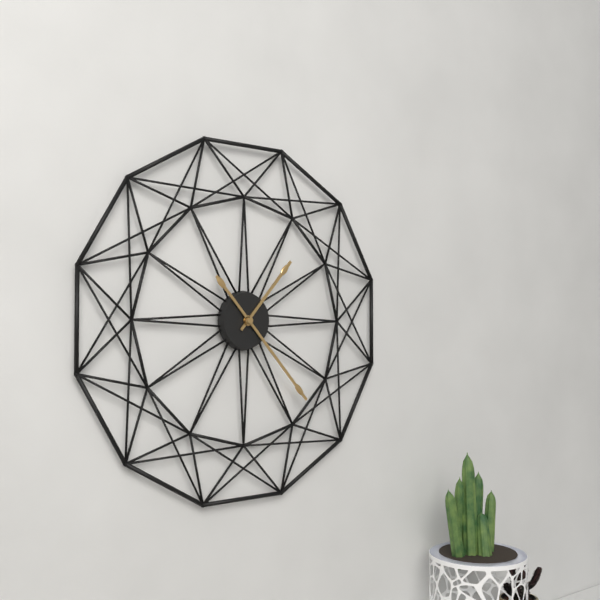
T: 1:23
